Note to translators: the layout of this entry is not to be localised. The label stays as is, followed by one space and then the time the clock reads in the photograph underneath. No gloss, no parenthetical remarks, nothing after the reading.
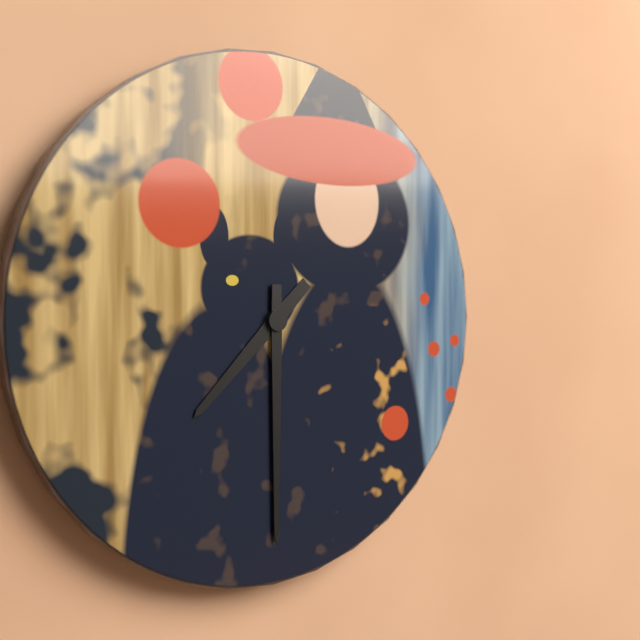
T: 7:30
